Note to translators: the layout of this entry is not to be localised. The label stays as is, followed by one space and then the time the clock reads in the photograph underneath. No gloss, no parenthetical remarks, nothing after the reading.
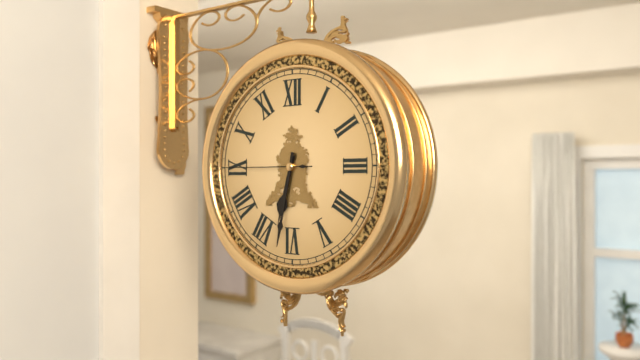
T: 6:32:45
